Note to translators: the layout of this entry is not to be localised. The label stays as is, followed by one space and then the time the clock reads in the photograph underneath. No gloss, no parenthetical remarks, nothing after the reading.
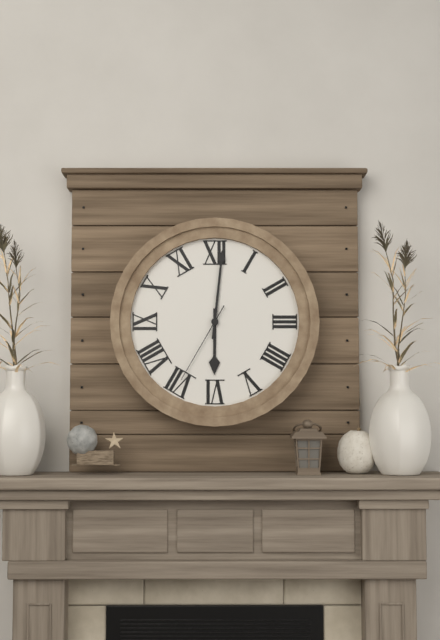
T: 6:01:35
